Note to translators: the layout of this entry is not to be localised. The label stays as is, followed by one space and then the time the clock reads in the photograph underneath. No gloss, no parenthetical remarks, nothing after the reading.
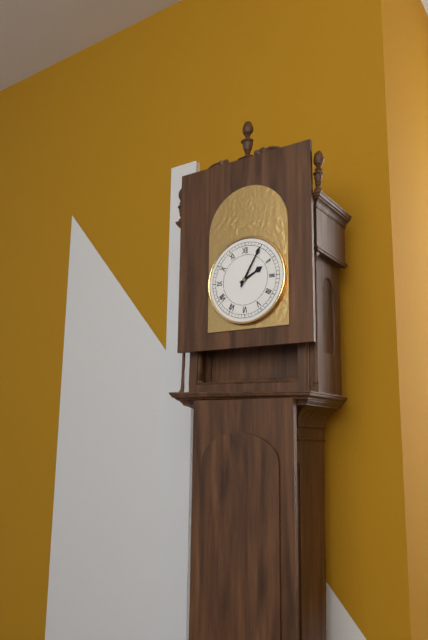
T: 2:05
